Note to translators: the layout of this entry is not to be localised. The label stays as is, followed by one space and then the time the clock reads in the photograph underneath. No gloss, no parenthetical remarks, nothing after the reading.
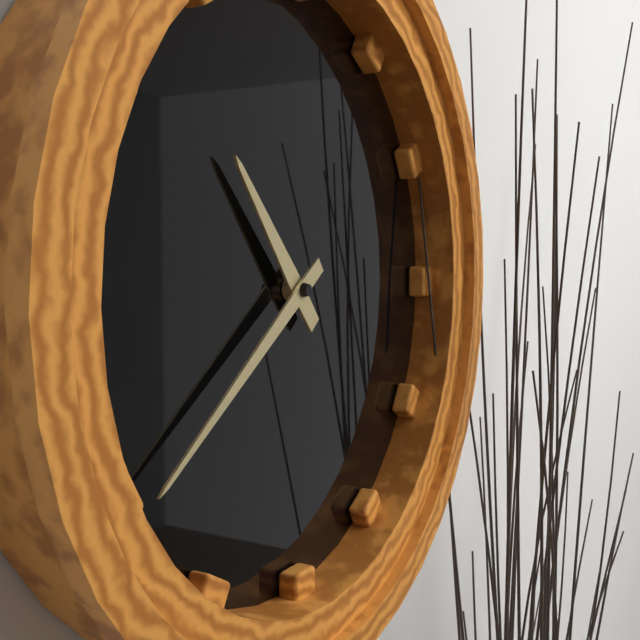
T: 10:39
